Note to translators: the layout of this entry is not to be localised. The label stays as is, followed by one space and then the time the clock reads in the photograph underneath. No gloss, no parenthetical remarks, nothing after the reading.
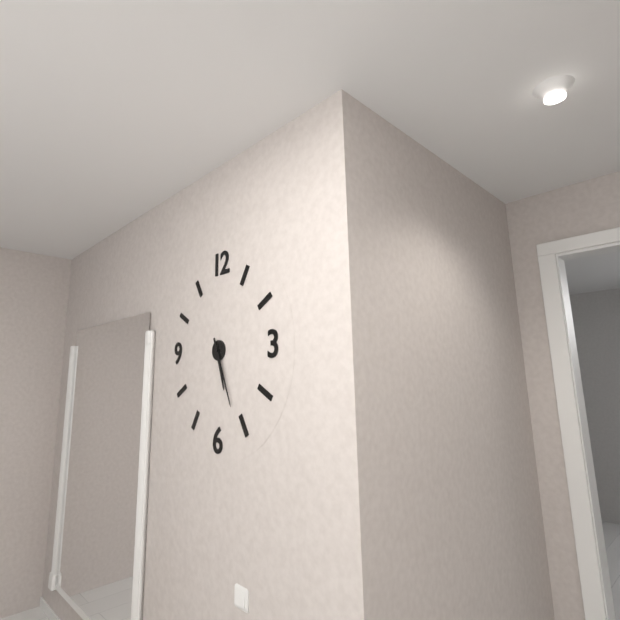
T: 5:26
